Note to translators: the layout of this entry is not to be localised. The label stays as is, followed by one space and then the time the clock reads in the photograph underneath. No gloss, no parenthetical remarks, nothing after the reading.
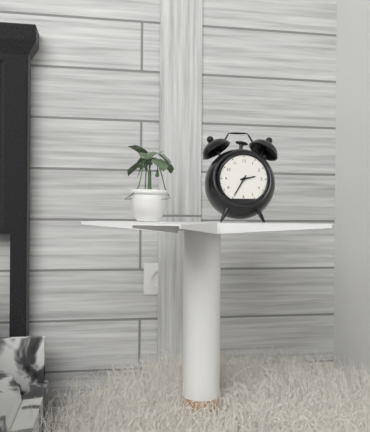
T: 2:35
